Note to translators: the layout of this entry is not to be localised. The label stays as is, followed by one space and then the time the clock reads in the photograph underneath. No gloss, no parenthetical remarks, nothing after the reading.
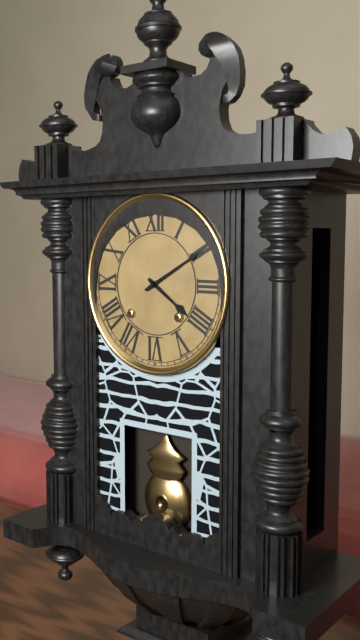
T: 4:10
